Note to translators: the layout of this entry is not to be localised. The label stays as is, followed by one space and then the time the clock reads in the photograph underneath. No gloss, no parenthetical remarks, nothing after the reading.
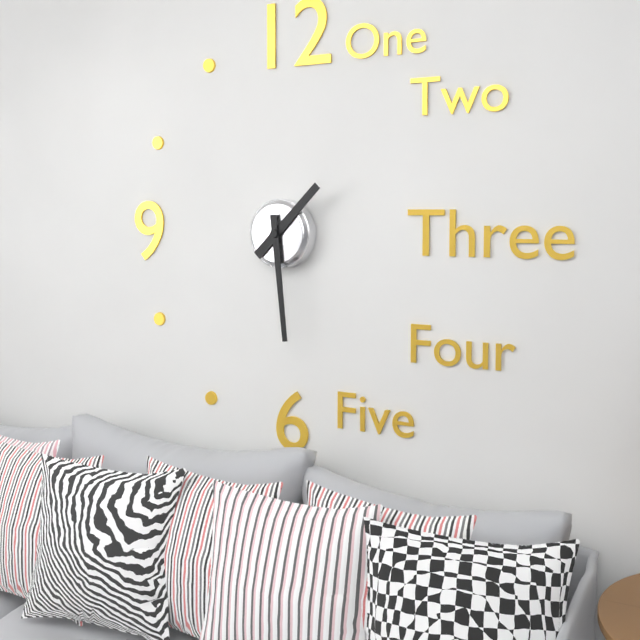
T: 1:29
